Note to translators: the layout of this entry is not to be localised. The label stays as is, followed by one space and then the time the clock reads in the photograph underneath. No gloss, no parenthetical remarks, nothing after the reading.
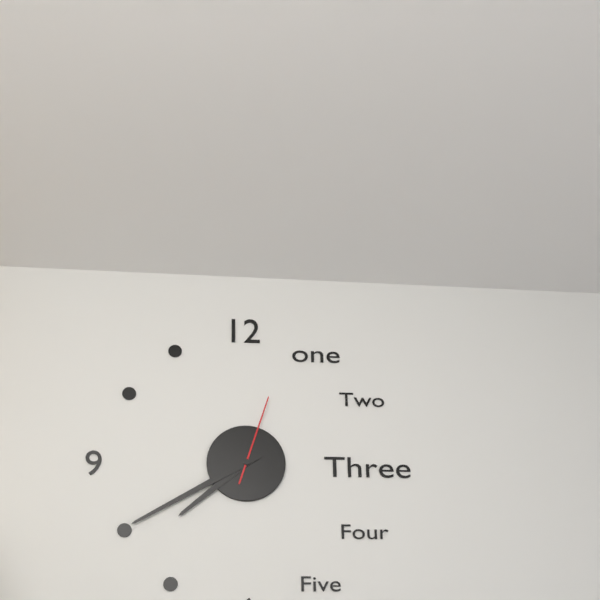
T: 7:40:03
